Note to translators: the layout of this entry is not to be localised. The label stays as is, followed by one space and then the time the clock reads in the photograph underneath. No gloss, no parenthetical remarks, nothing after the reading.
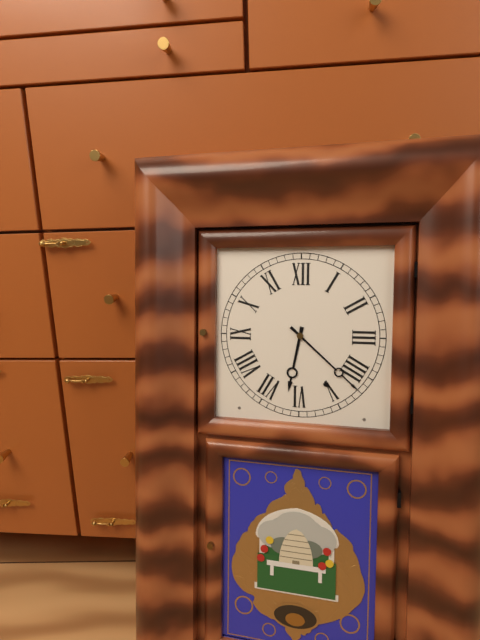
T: 6:22
